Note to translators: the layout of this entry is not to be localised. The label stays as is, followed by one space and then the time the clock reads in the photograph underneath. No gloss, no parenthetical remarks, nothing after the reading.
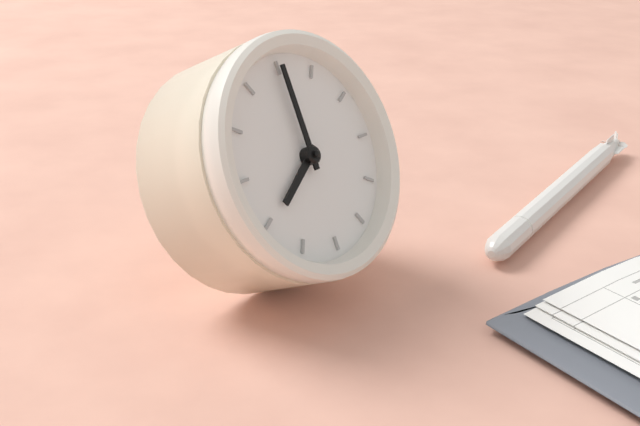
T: 6:55
